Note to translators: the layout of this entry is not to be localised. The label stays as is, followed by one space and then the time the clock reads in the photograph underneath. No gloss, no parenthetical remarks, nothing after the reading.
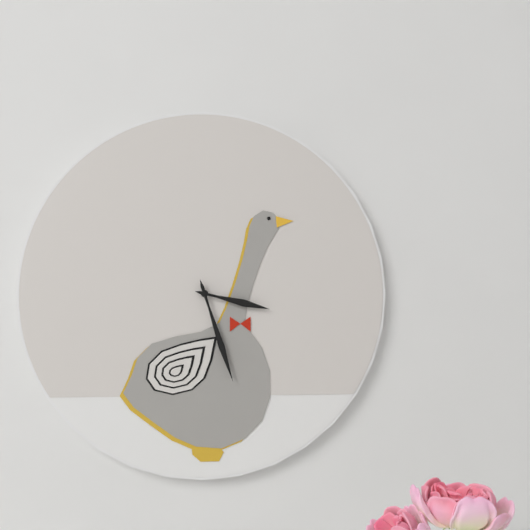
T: 3:27
